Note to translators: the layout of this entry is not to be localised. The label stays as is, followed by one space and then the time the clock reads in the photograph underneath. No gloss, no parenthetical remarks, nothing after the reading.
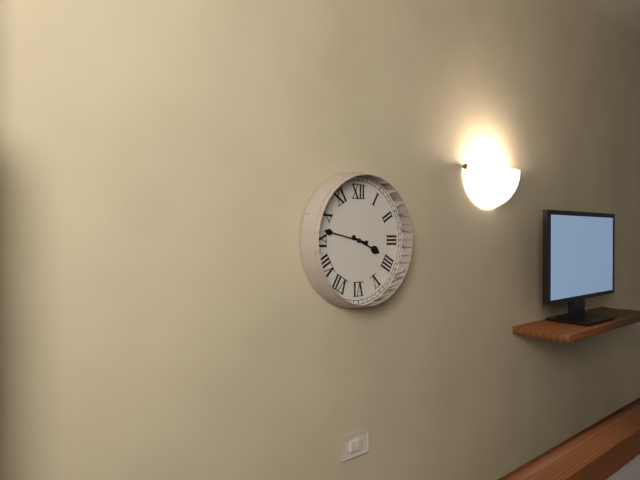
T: 3:47
